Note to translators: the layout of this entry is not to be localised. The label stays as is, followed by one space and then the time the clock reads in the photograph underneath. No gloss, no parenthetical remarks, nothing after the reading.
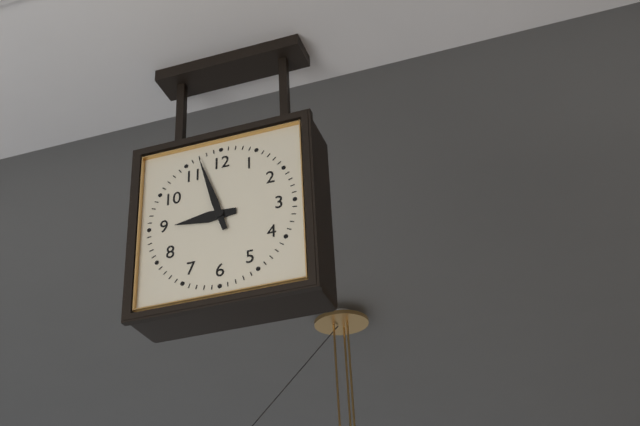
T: 8:57
